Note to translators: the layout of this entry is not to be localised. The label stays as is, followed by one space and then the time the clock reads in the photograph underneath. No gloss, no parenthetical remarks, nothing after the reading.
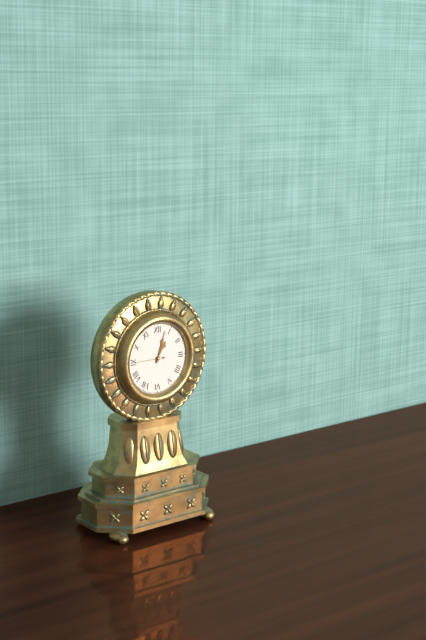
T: 1:03
